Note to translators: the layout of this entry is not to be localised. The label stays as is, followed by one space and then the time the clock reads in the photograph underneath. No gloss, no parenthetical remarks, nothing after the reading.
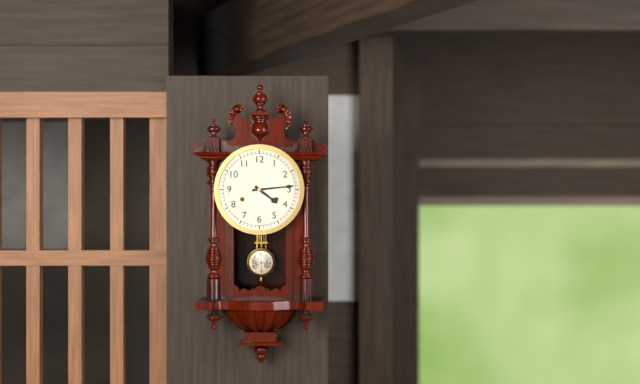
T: 4:14
